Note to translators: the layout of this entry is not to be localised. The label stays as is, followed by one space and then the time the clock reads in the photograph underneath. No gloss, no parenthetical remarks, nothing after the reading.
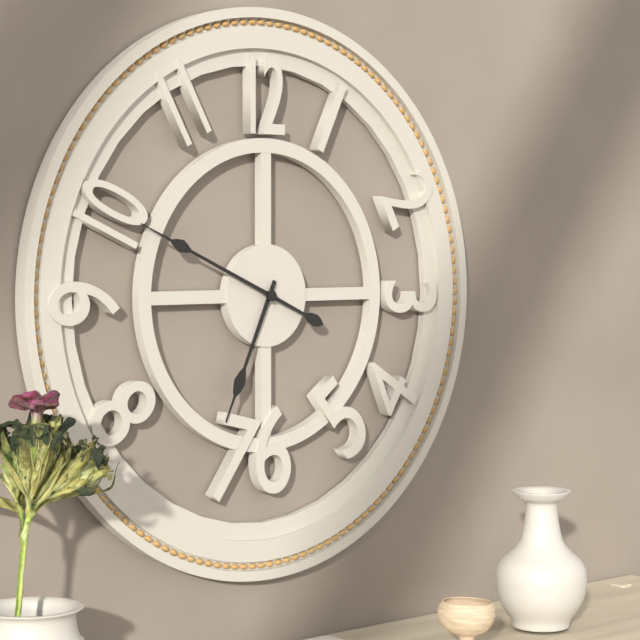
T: 6:49
